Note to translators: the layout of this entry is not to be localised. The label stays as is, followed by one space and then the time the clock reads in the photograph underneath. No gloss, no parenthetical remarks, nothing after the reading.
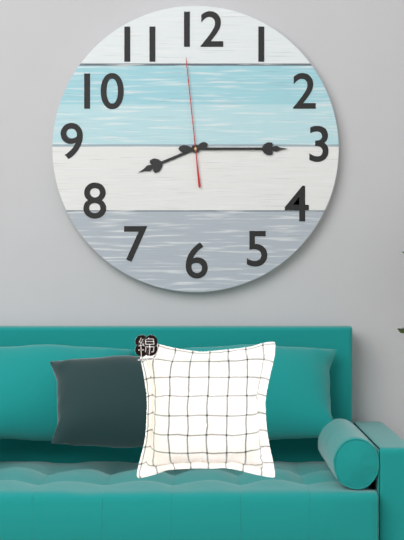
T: 8:15:59
